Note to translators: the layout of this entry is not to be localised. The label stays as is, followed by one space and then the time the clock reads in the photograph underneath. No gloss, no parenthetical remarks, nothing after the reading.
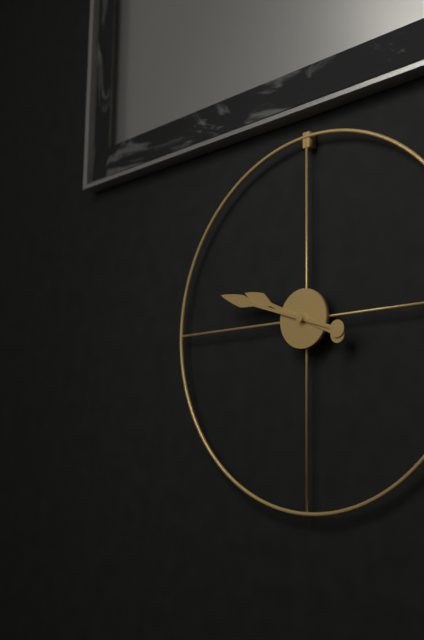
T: 9:48
